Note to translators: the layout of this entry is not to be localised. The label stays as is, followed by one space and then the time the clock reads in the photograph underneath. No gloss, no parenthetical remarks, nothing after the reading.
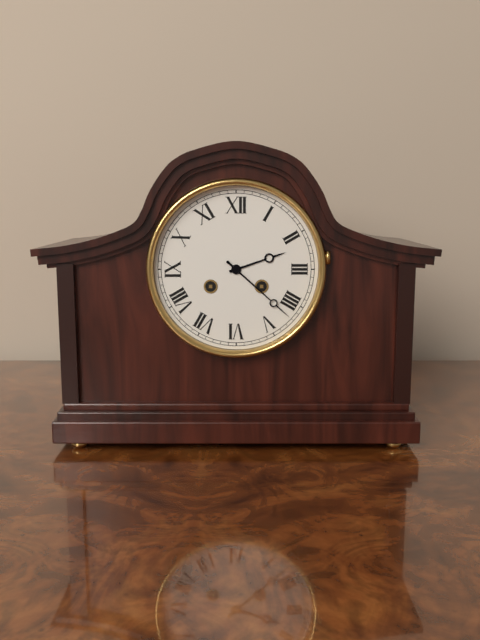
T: 2:22
